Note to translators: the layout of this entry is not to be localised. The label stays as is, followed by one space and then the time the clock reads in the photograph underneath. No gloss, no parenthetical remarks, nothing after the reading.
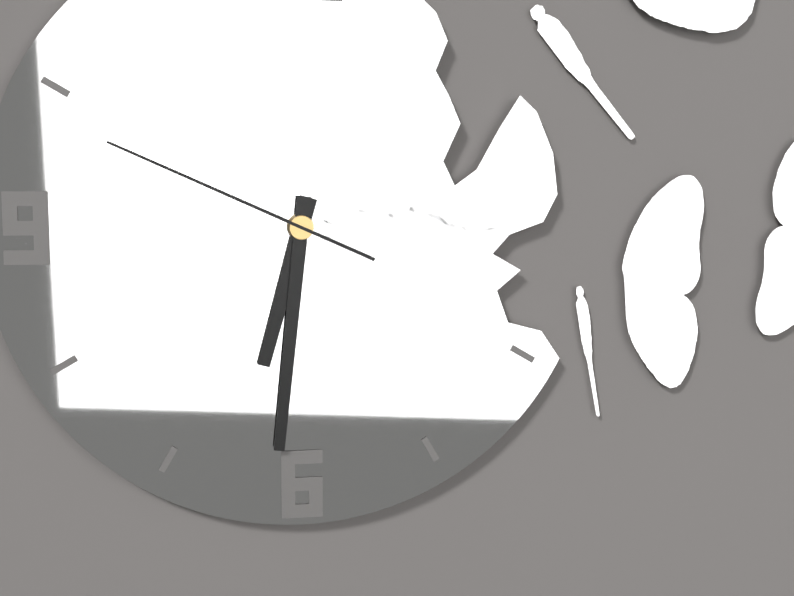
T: 6:31:49
